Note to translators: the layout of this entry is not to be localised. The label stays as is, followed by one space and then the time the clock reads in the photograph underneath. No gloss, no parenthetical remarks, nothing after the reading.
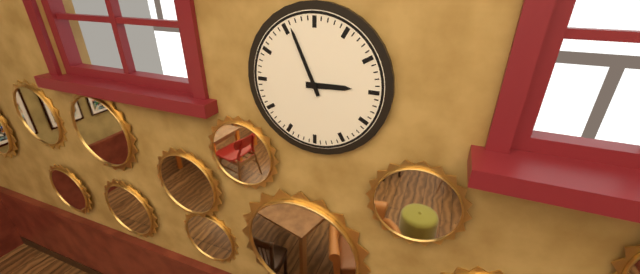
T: 2:56
